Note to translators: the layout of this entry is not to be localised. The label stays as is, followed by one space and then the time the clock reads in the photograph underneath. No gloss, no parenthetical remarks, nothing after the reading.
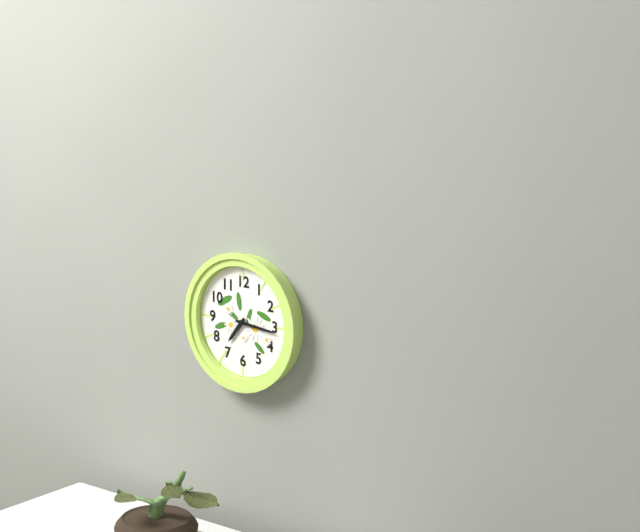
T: 7:16
